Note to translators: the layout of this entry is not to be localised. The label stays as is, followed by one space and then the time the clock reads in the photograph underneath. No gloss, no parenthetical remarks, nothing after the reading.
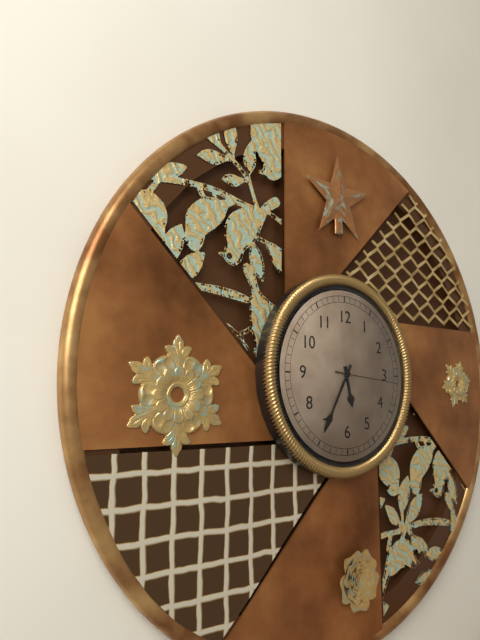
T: 5:35:16
